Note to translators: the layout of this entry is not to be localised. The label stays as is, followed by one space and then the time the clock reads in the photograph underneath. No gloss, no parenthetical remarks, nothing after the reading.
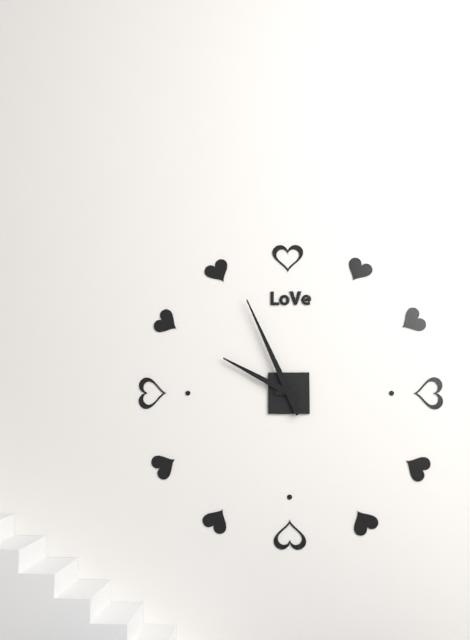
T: 9:56
